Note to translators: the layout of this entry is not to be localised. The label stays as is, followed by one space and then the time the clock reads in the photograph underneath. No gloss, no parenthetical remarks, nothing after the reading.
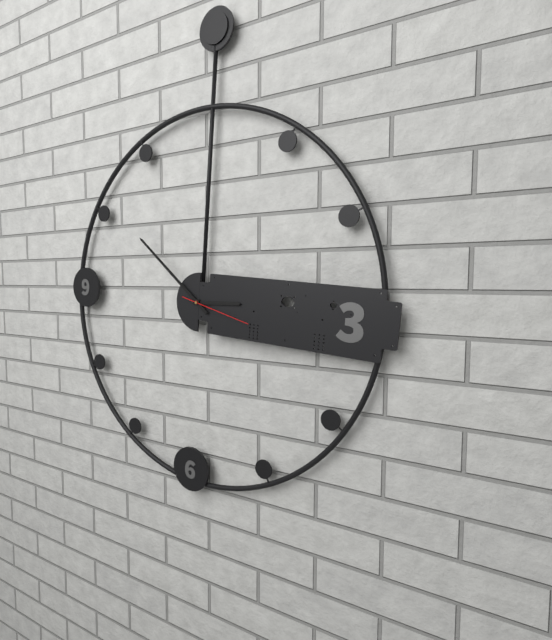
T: 2:51:17
